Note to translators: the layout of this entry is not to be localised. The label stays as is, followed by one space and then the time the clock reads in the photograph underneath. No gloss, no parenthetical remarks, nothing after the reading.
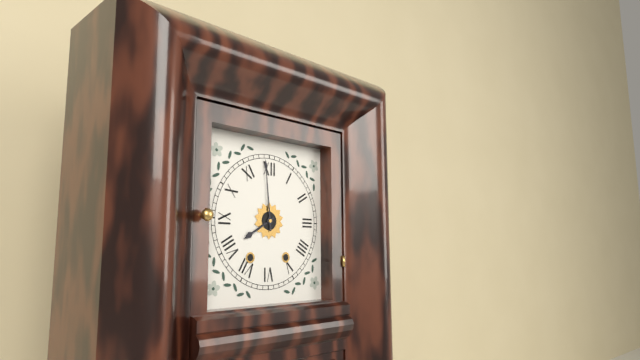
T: 7:59
